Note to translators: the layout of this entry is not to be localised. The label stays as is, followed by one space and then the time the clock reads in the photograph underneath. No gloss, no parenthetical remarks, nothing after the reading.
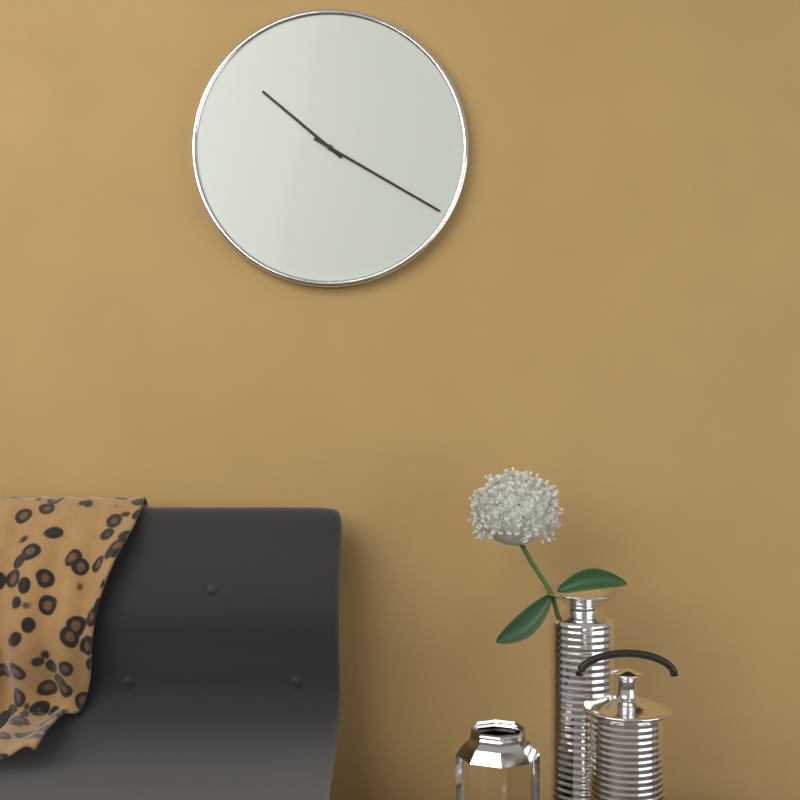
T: 10:20
